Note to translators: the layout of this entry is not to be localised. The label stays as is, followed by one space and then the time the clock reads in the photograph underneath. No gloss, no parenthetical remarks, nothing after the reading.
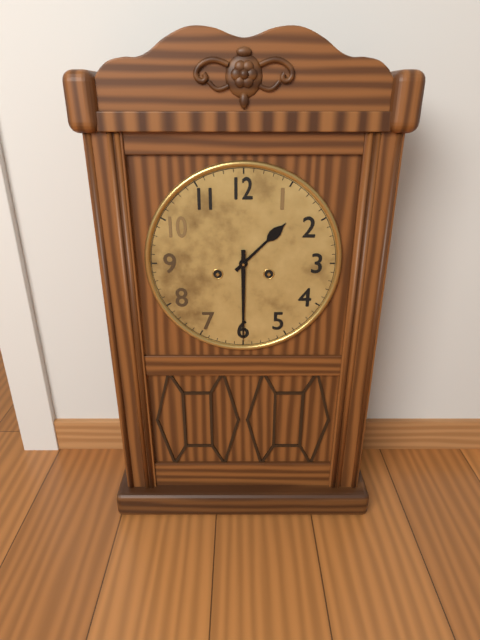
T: 1:30
